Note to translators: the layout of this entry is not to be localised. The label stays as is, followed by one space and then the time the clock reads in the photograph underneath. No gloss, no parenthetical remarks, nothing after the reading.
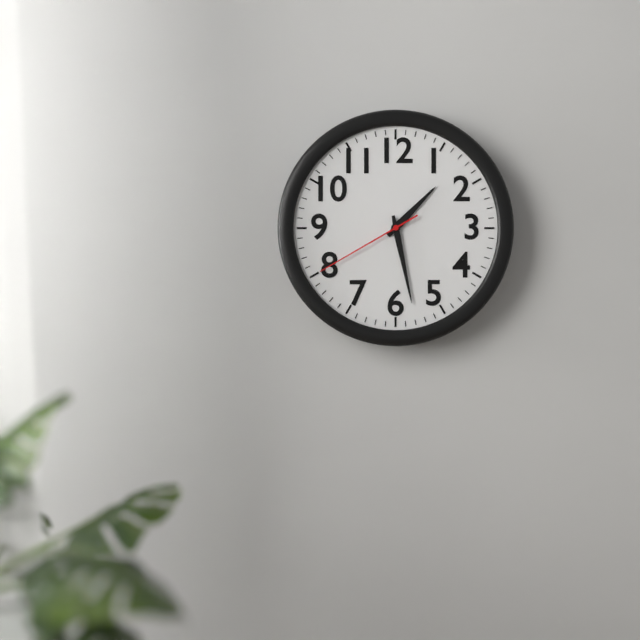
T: 1:28:40
